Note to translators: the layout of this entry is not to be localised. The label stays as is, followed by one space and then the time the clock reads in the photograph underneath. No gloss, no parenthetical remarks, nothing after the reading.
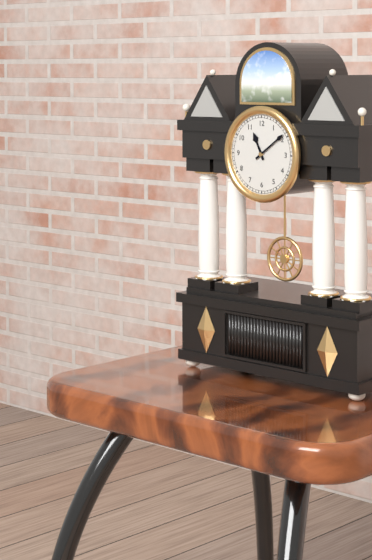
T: 11:09
